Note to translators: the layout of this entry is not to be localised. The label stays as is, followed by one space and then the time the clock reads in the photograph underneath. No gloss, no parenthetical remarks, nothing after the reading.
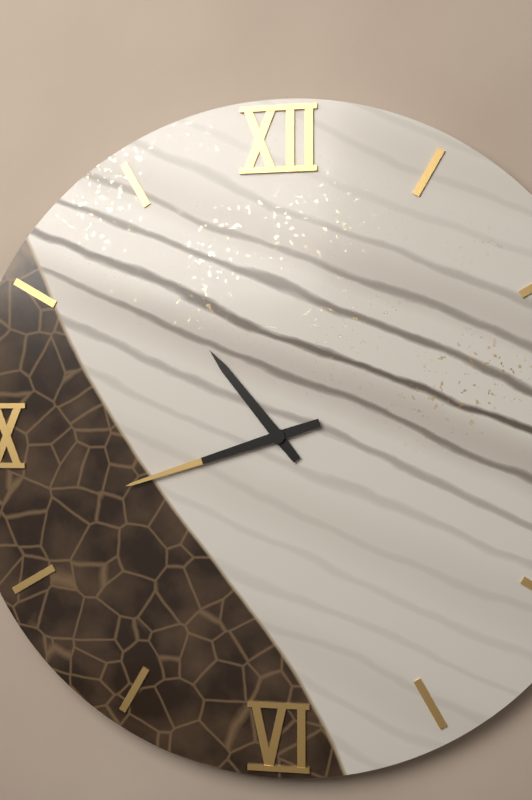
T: 10:42
